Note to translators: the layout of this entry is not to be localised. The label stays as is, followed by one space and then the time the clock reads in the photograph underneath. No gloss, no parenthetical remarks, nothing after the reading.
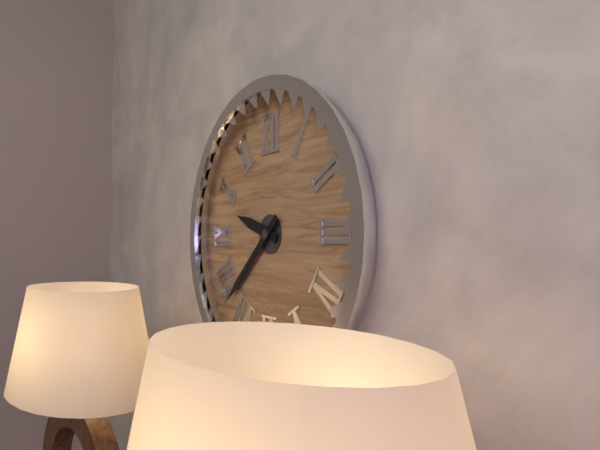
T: 9:38
